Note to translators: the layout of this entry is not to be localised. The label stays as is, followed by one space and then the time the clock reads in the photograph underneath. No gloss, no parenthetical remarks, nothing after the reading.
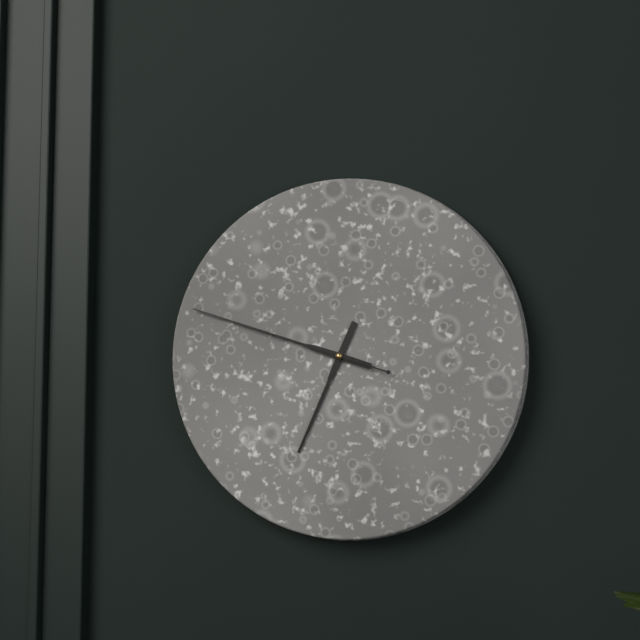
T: 6:48:48
